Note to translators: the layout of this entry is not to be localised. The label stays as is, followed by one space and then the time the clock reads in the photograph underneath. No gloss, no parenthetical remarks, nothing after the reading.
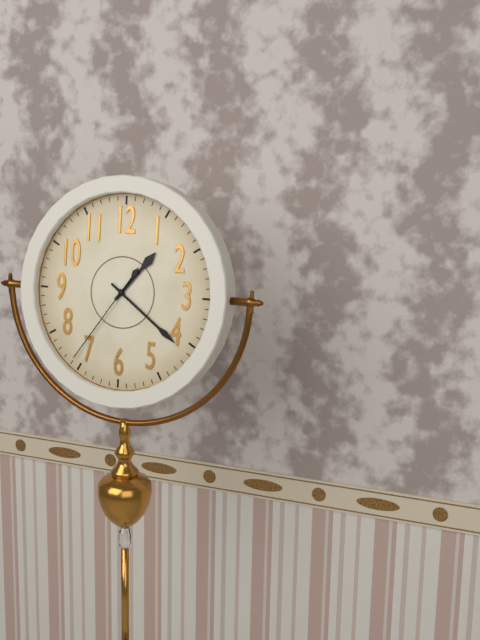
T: 1:21:36
